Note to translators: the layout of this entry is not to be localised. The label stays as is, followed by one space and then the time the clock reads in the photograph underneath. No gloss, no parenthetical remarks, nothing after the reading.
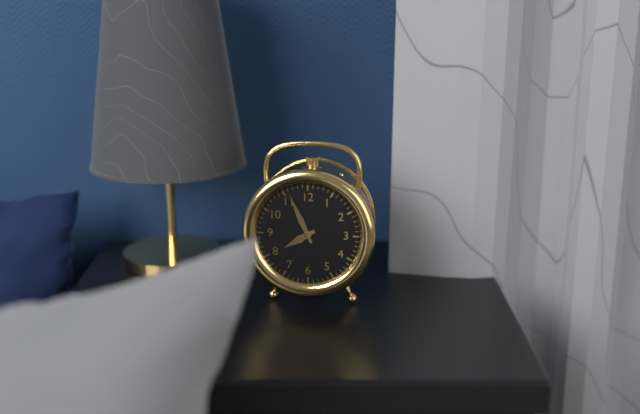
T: 7:56
